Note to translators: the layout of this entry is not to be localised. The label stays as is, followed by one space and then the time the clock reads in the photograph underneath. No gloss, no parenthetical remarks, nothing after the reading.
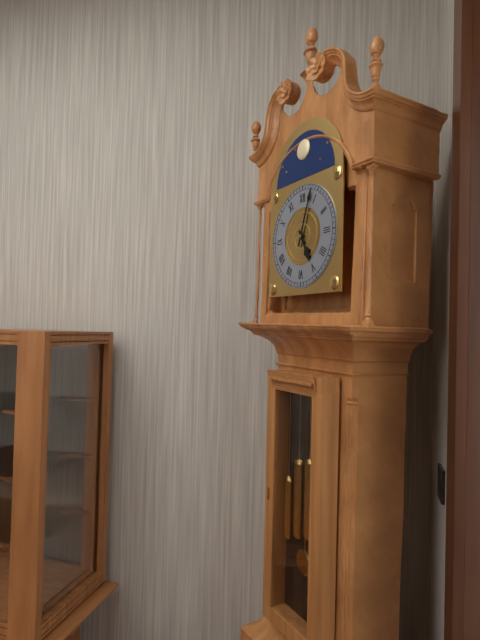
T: 5:03
